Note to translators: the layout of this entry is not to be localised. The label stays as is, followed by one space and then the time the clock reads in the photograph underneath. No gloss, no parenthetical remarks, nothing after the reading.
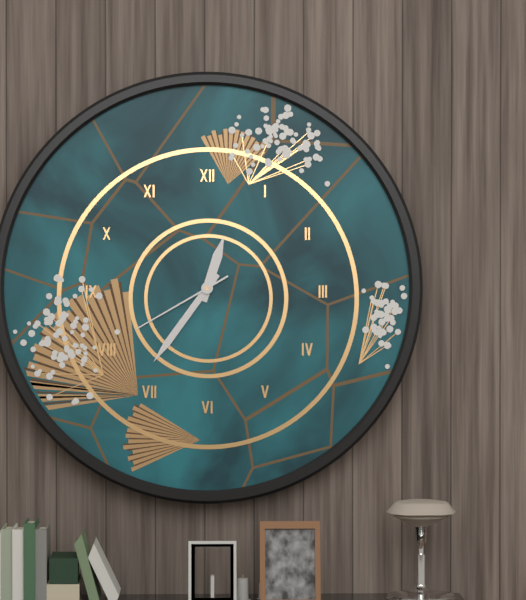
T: 12:36:40
